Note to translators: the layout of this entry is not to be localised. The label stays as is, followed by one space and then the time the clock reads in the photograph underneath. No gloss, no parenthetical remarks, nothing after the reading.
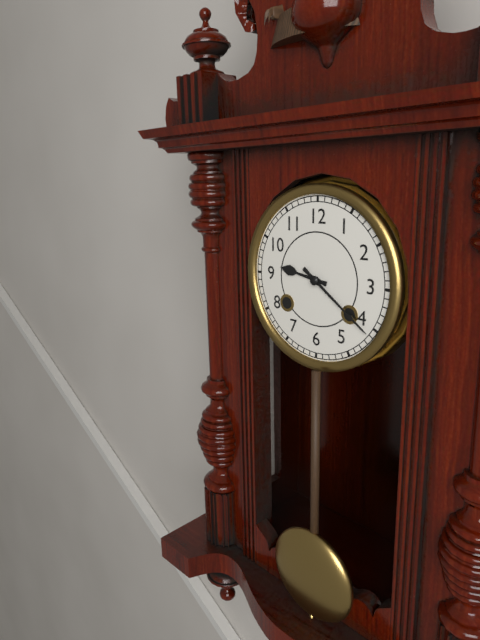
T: 9:21
